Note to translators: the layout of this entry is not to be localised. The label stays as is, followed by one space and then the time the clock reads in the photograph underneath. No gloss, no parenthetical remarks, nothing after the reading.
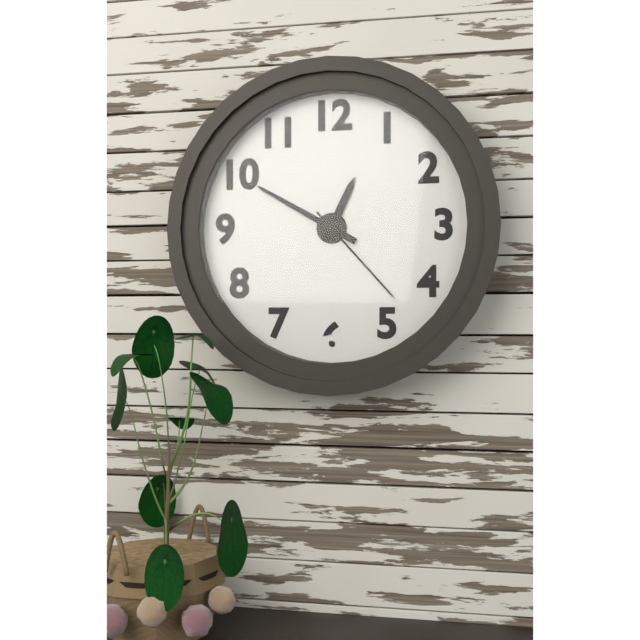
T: 12:50:23
